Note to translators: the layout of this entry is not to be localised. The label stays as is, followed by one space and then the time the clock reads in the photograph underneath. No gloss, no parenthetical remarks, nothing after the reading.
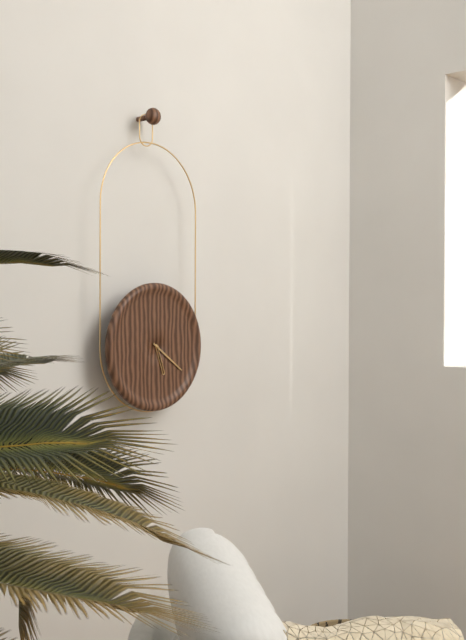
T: 5:21
